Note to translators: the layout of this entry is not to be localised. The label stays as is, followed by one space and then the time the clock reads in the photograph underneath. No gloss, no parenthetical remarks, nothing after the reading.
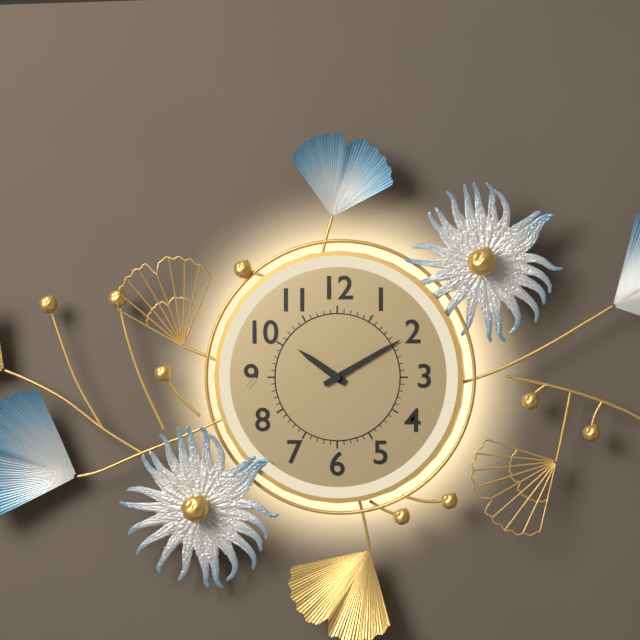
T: 10:10
